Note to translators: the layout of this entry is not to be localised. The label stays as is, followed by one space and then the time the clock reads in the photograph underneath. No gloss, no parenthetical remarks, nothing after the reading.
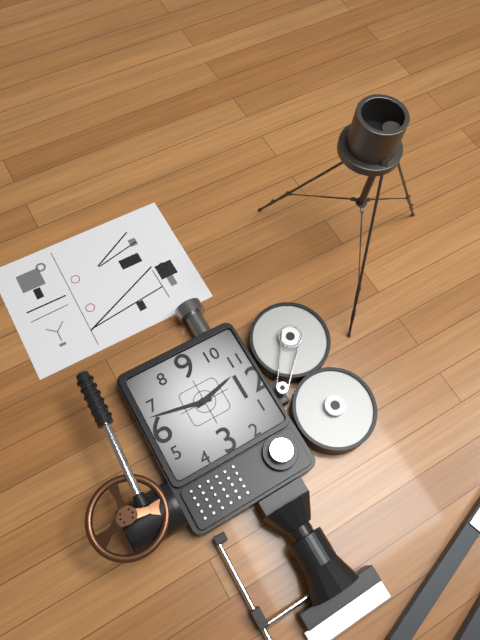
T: 11:32
